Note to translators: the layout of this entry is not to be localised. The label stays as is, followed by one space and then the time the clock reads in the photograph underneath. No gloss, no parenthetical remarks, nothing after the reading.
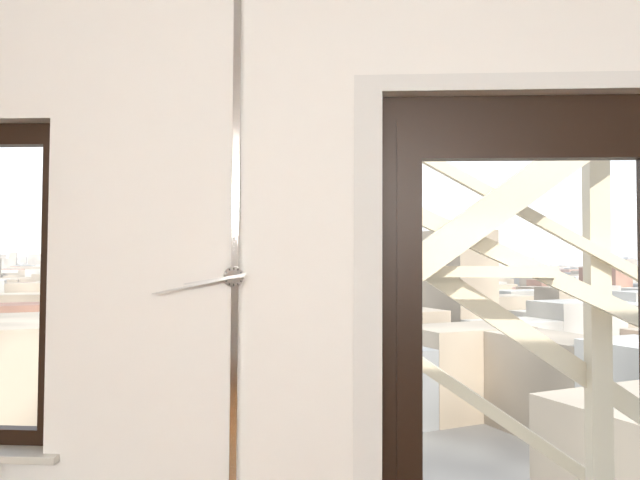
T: 8:43
